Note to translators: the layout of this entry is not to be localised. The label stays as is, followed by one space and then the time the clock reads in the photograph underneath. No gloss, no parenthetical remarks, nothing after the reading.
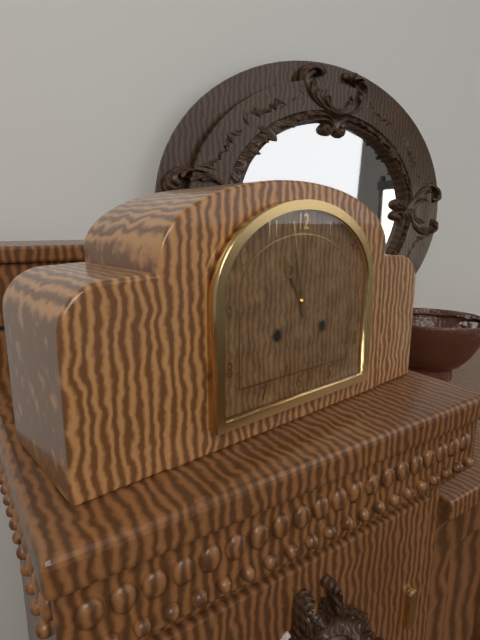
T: 10:58
